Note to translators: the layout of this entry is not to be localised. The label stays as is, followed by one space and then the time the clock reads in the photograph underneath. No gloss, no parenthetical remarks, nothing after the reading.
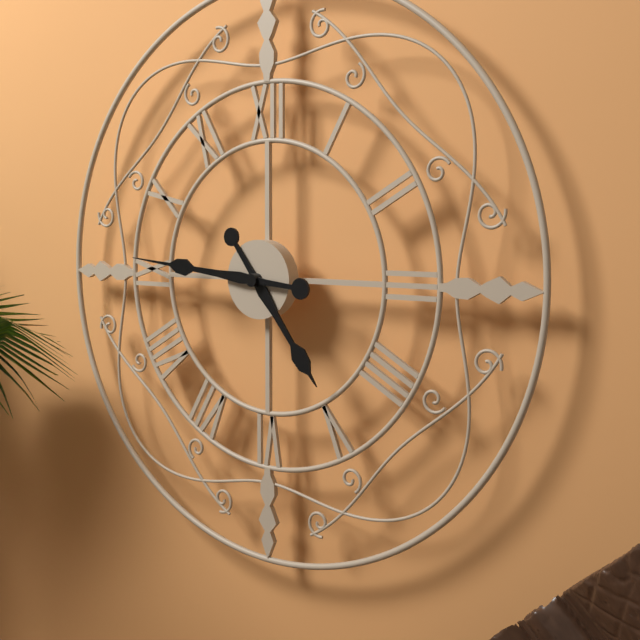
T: 4:46
